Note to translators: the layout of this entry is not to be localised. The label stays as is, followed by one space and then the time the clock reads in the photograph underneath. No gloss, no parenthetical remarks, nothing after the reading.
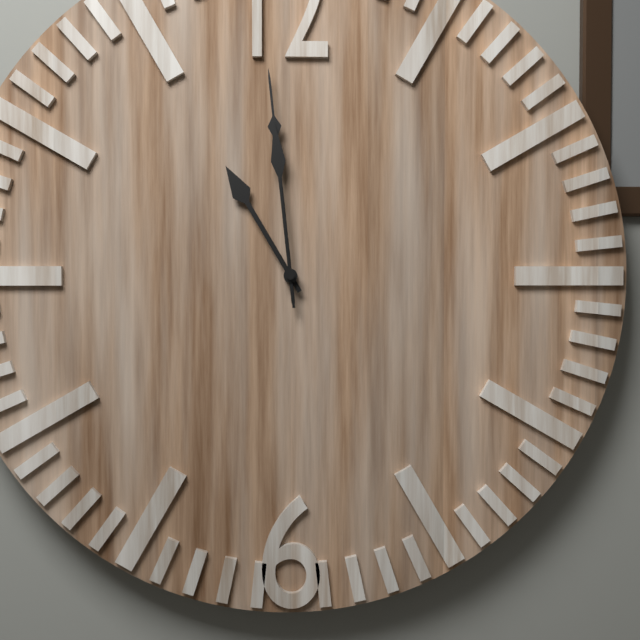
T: 10:59:59
